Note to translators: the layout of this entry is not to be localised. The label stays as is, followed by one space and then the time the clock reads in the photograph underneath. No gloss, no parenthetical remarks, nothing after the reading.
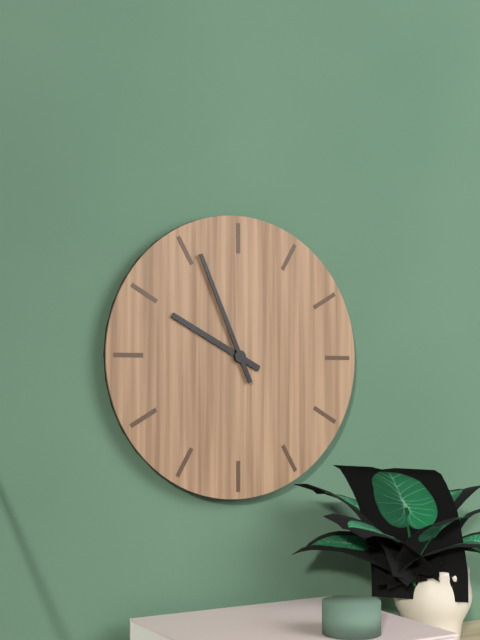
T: 9:56
